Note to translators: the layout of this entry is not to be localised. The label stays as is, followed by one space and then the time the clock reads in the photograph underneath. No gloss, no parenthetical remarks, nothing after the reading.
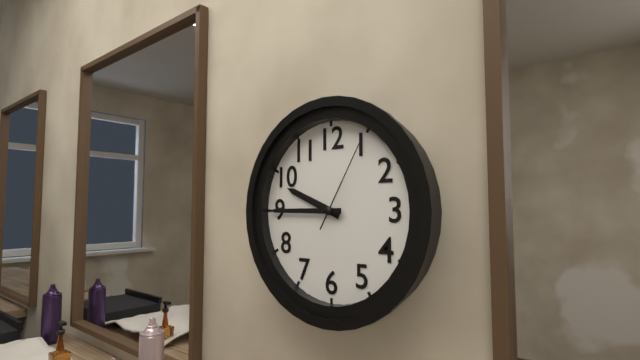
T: 9:45:05
